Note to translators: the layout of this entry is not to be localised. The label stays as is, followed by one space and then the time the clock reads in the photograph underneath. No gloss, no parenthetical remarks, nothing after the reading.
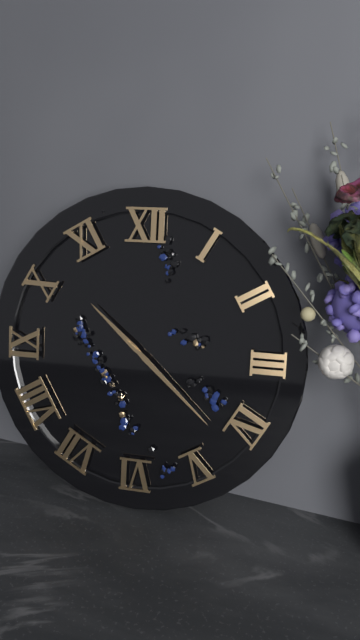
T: 10:22
